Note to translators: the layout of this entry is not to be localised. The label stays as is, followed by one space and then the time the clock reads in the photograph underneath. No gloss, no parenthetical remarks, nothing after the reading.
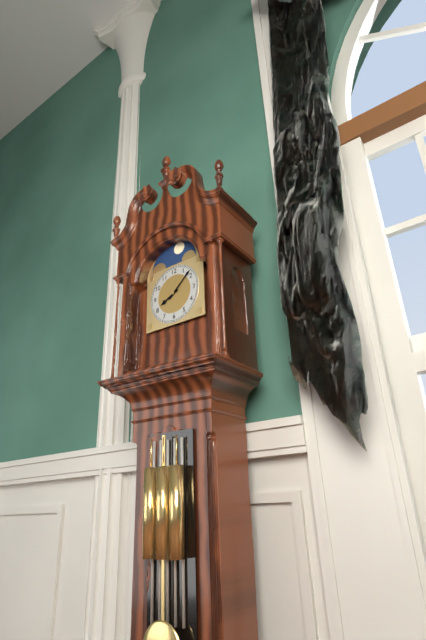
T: 8:08
